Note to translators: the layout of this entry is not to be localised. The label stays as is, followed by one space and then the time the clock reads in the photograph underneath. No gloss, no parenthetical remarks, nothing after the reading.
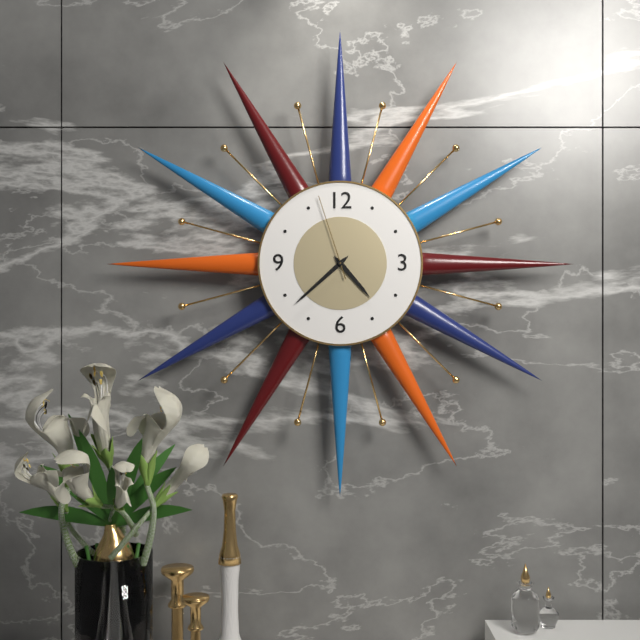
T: 4:38:57
